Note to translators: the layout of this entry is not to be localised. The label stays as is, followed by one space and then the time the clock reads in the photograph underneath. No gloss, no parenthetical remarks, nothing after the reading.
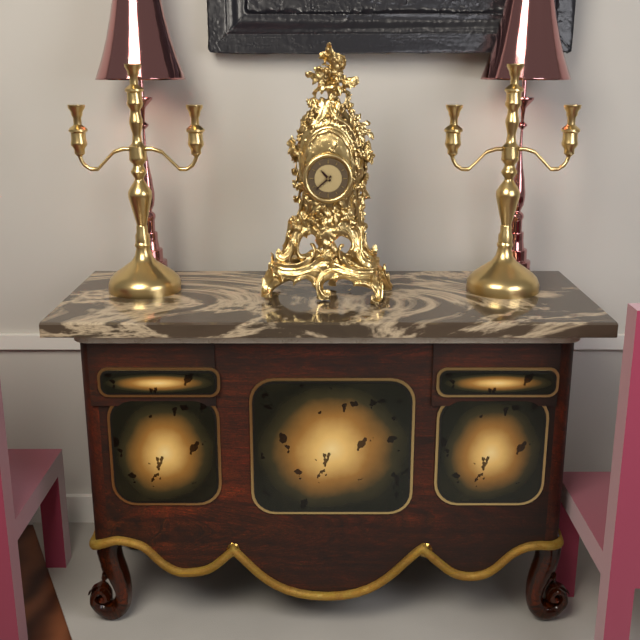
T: 10:38
